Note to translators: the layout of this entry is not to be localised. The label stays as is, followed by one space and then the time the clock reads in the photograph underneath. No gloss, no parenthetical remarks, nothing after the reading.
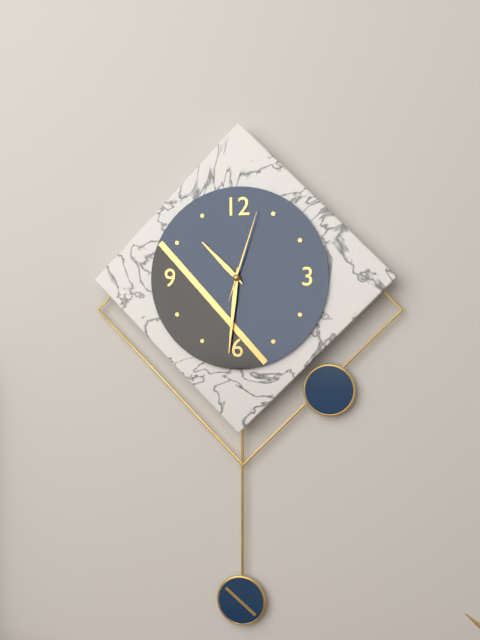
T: 10:31:03
